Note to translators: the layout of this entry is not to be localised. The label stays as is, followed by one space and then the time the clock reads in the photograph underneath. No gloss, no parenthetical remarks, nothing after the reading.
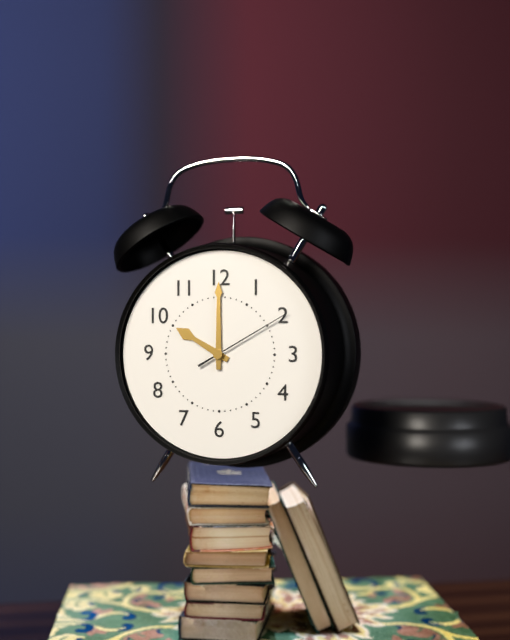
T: 10:00:10
